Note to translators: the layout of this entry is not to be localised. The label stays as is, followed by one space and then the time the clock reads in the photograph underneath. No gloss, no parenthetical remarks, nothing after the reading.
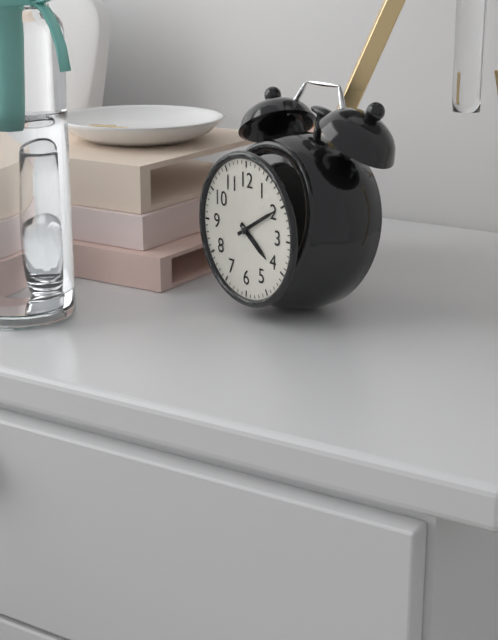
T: 4:10
